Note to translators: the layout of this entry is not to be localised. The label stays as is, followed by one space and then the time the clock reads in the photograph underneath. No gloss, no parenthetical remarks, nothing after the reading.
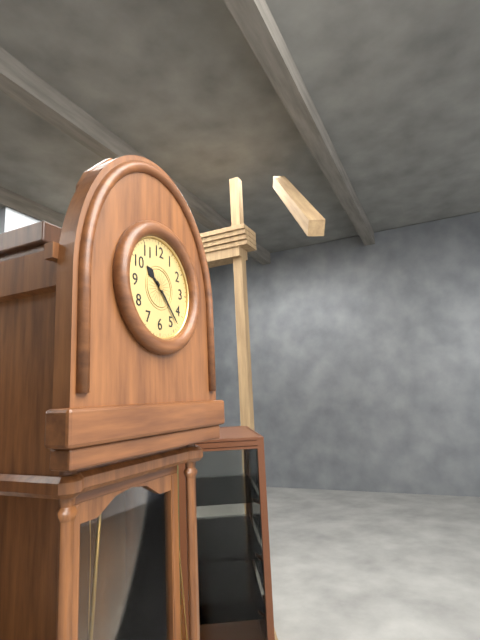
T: 10:23
